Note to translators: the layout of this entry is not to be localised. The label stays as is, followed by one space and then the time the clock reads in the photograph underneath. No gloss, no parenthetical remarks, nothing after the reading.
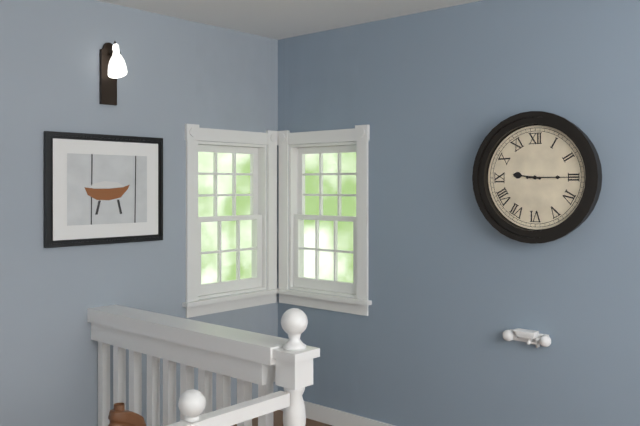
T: 9:15
